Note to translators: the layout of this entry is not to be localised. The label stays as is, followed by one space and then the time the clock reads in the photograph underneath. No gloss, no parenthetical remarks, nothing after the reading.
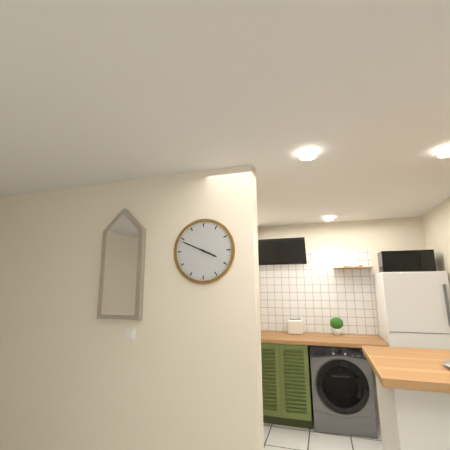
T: 3:49
